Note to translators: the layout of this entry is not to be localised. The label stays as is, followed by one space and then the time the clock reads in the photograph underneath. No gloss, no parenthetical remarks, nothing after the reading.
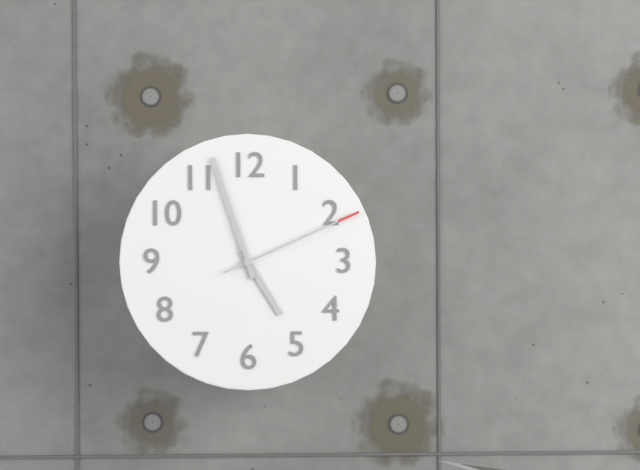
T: 4:57:11
